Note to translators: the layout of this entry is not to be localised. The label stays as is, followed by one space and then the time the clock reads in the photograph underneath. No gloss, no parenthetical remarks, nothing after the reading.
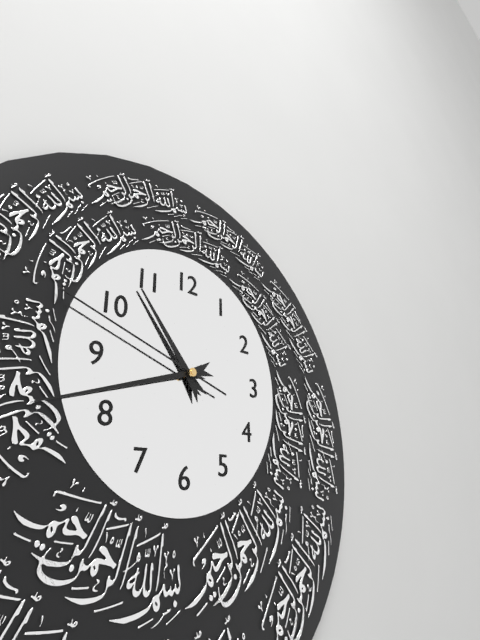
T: 10:42:48
